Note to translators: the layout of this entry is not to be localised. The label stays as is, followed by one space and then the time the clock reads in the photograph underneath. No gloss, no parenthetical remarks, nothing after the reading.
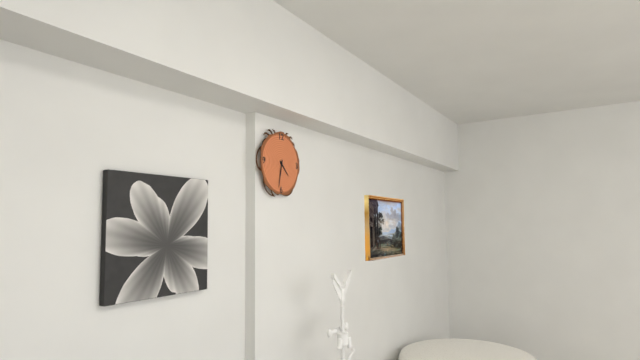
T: 4:32
